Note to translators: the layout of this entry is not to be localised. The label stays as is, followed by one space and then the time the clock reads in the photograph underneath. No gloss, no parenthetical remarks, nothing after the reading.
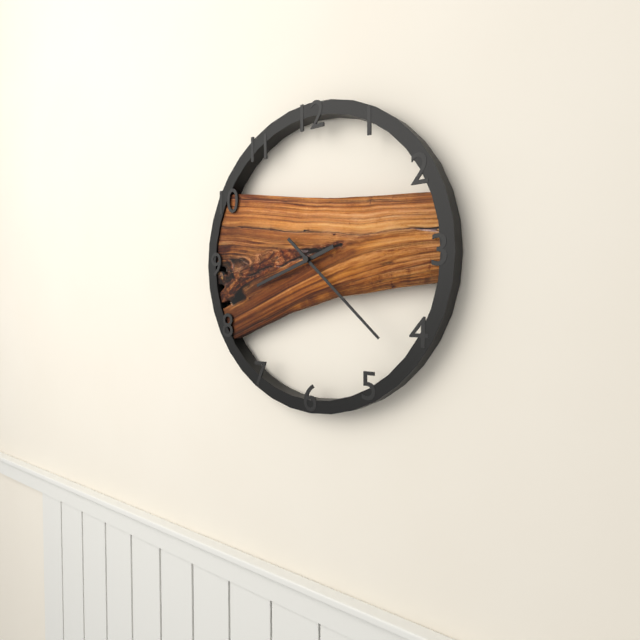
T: 8:22
